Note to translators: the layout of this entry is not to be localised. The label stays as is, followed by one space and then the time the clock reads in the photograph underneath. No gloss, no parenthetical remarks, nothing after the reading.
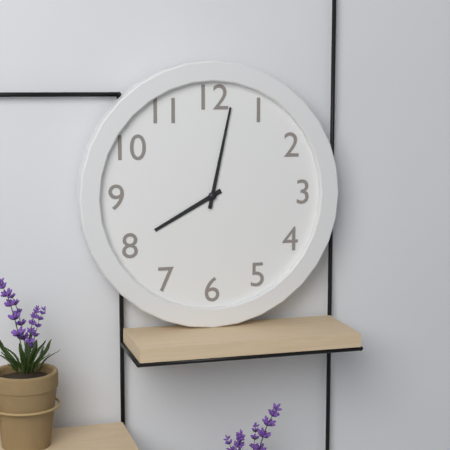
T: 8:02
